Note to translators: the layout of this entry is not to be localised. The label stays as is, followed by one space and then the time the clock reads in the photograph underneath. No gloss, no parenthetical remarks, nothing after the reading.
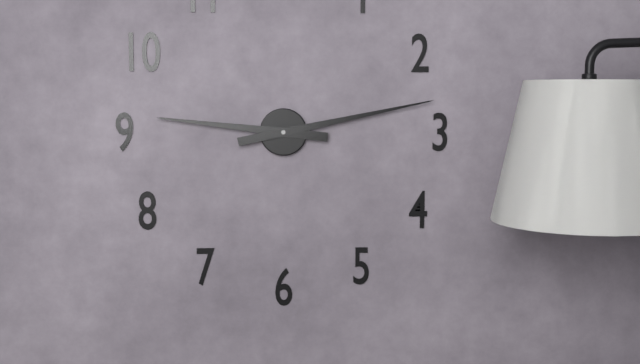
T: 9:13
